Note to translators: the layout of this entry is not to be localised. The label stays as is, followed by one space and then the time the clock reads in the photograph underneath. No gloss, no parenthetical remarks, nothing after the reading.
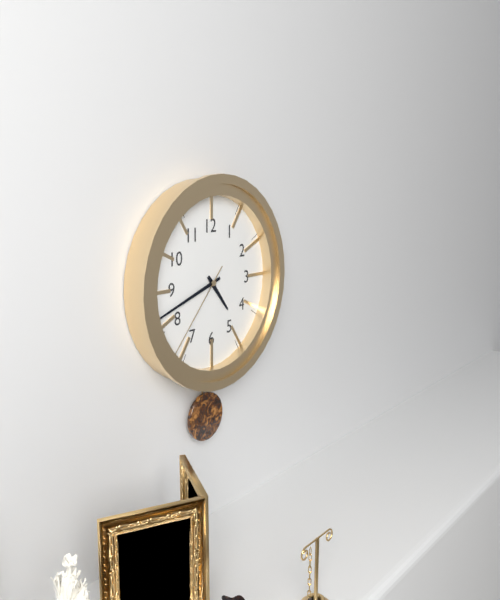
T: 4:42:37
